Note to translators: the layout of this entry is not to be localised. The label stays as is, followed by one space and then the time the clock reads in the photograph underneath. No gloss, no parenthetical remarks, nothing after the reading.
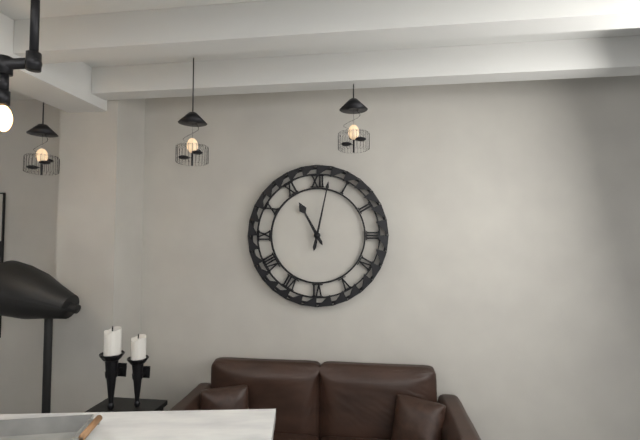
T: 11:02
